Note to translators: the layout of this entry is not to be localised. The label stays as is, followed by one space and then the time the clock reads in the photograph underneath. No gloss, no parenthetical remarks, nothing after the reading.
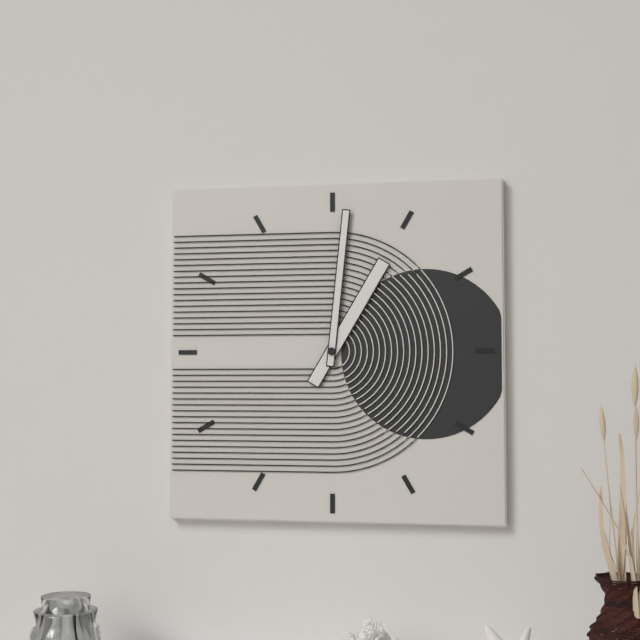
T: 1:01
